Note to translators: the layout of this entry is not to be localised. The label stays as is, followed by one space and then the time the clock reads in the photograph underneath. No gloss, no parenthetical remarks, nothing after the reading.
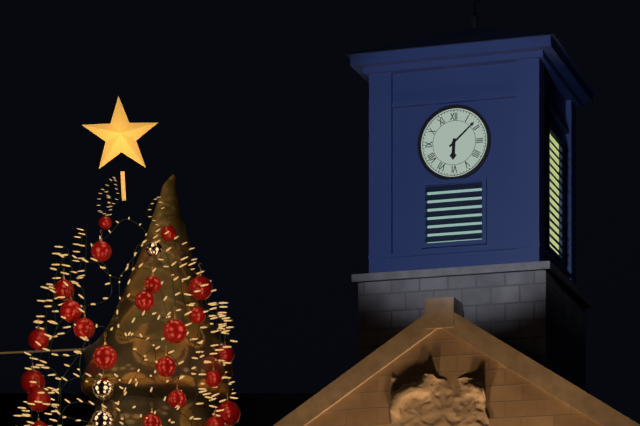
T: 6:08
